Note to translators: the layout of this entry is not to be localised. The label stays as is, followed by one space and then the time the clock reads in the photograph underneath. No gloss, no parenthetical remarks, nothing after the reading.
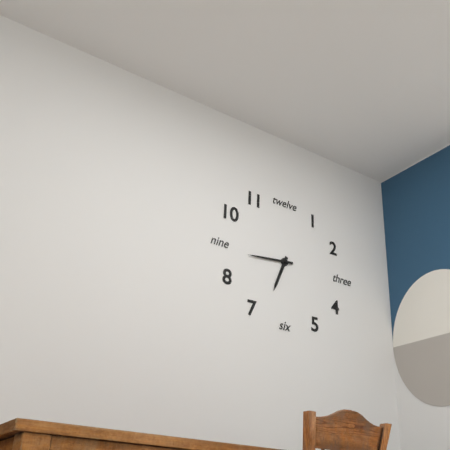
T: 6:44
